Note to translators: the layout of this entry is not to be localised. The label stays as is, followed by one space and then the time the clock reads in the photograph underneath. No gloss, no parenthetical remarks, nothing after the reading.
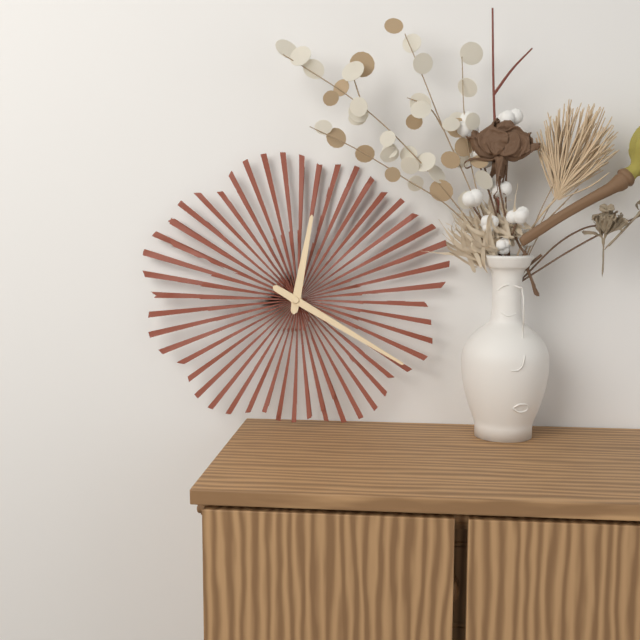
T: 12:20
